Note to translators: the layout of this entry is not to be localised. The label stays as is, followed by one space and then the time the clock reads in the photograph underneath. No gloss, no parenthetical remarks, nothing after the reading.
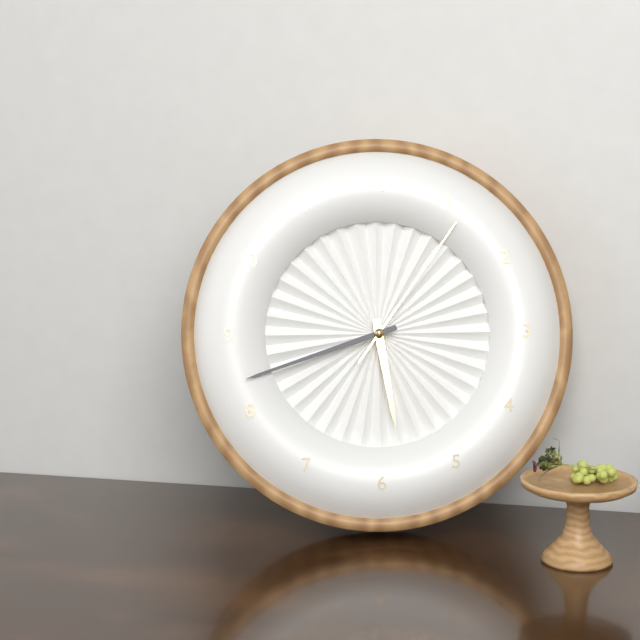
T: 5:42:06
